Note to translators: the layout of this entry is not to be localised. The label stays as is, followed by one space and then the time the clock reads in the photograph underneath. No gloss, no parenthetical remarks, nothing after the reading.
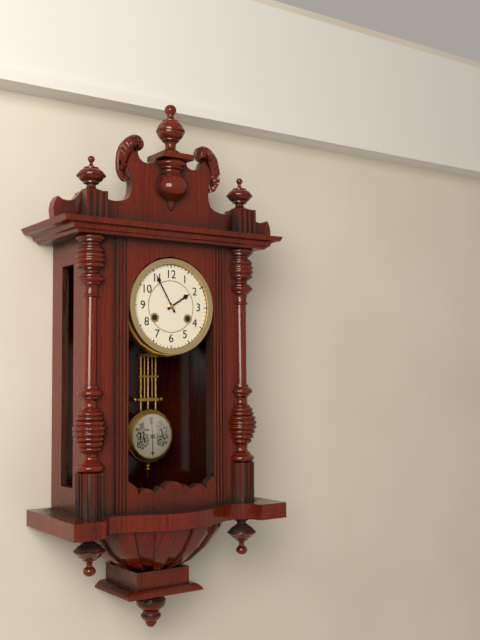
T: 1:55
